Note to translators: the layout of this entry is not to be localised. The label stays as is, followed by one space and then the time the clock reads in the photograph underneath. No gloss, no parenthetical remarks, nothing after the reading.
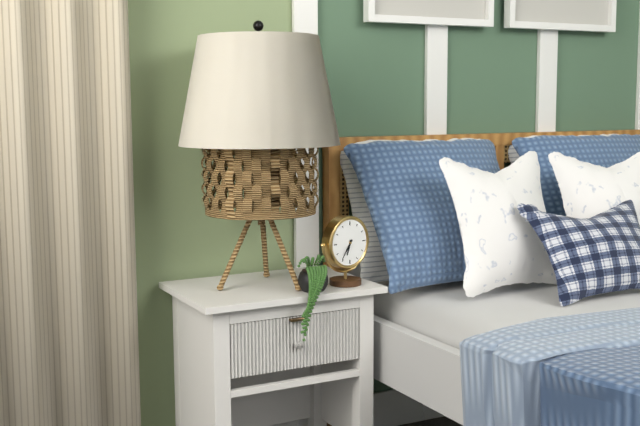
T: 6:36
